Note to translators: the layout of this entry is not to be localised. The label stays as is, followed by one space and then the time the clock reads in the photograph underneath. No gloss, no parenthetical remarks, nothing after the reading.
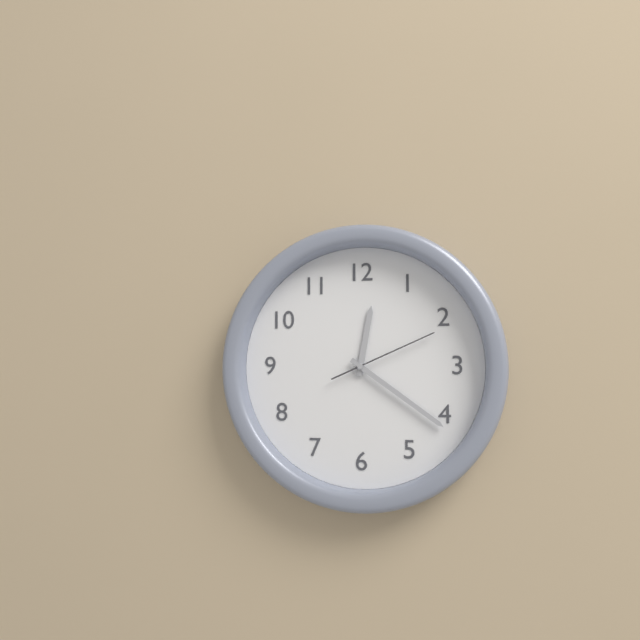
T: 12:21:11
